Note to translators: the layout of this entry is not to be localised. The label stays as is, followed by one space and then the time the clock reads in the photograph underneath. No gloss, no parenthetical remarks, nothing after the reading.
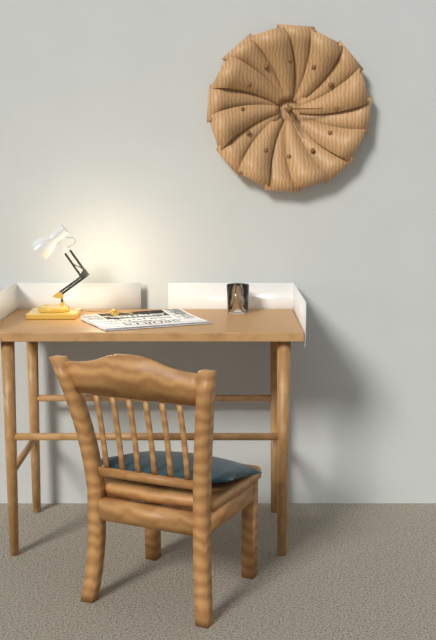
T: 5:15
